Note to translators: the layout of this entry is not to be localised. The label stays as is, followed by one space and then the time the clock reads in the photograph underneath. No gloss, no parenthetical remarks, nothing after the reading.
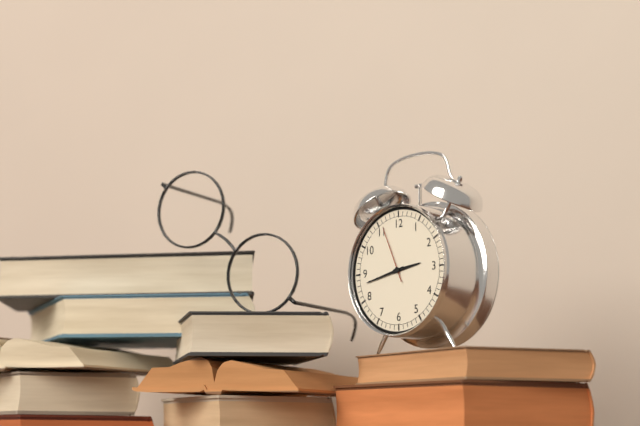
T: 2:43:56
